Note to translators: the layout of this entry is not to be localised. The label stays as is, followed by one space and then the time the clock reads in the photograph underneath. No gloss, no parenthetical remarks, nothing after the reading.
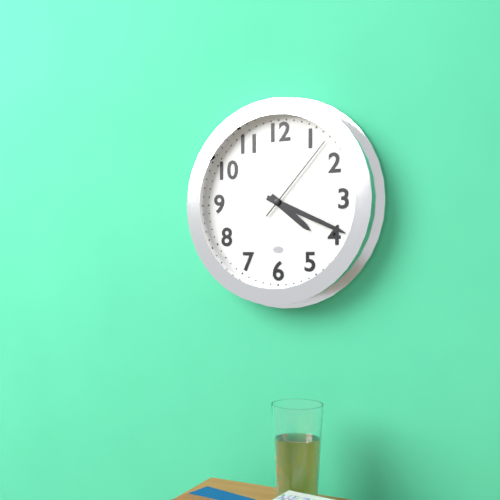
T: 4:19:07
